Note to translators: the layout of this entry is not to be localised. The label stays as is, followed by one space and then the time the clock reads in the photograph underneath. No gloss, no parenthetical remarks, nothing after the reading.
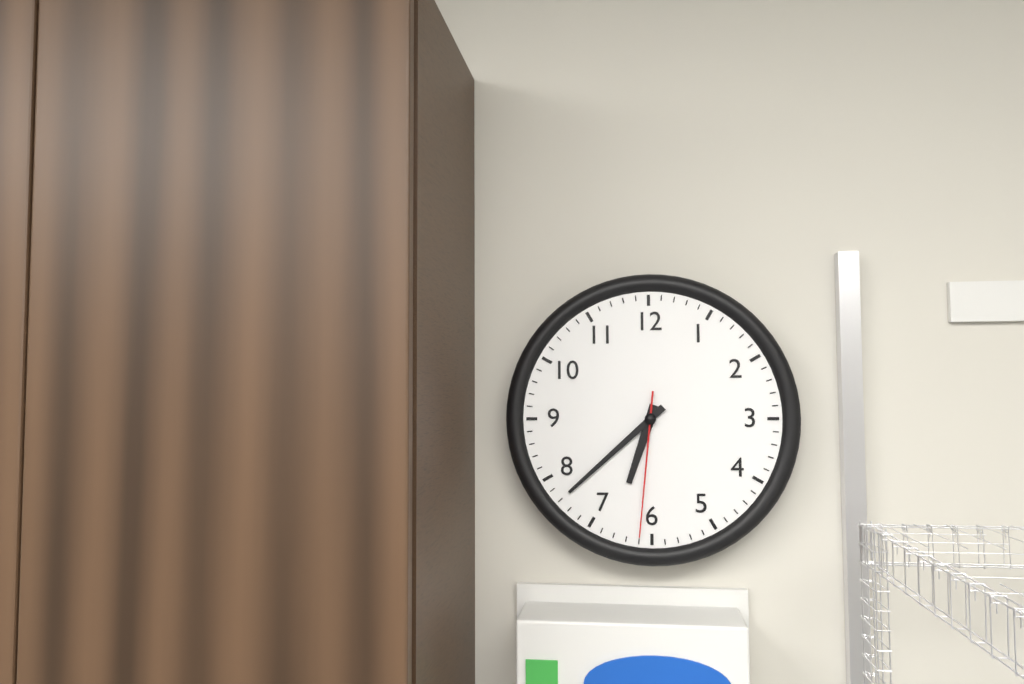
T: 6:38:31
